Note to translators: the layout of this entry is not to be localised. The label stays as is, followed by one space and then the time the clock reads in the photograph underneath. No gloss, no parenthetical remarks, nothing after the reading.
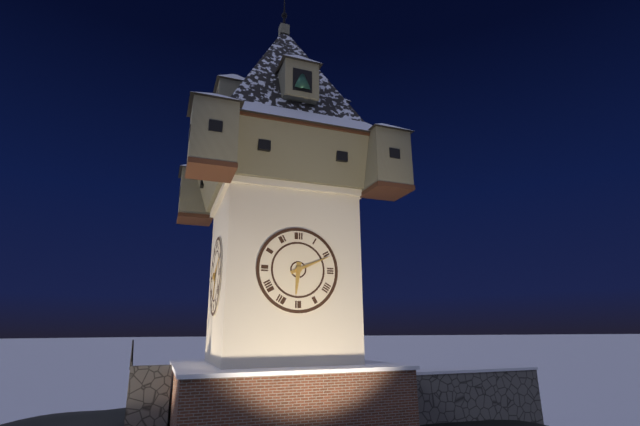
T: 6:11
